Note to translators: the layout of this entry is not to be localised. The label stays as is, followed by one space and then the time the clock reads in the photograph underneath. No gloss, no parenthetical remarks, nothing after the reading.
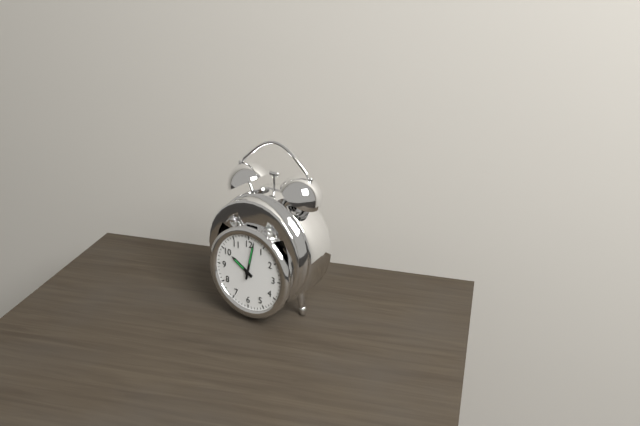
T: 10:02
